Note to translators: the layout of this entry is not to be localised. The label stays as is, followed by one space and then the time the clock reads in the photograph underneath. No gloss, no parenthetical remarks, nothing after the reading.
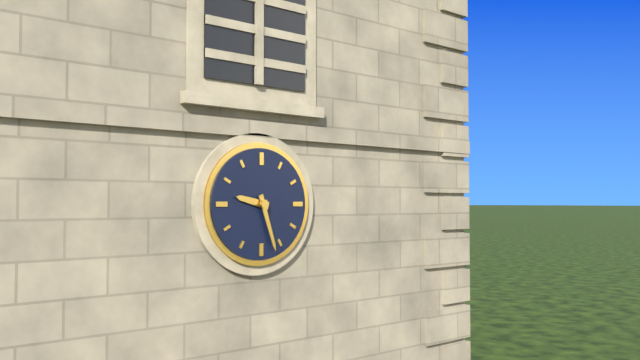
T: 9:27
